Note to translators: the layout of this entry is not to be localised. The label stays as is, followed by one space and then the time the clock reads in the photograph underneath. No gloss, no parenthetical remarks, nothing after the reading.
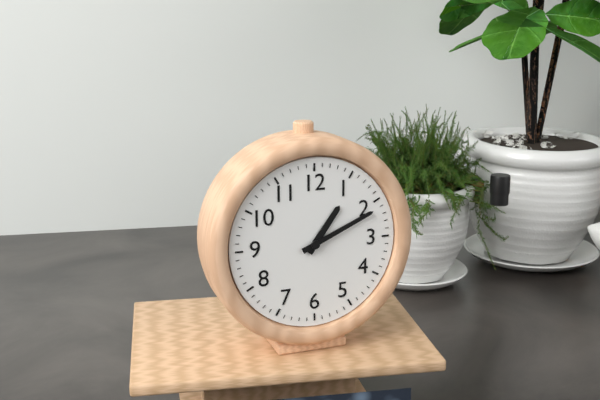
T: 1:11
